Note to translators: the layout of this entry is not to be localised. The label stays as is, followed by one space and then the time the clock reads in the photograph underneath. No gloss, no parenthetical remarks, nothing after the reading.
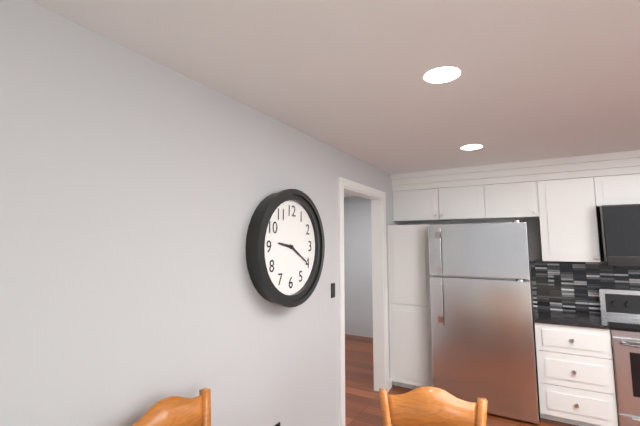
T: 9:20
